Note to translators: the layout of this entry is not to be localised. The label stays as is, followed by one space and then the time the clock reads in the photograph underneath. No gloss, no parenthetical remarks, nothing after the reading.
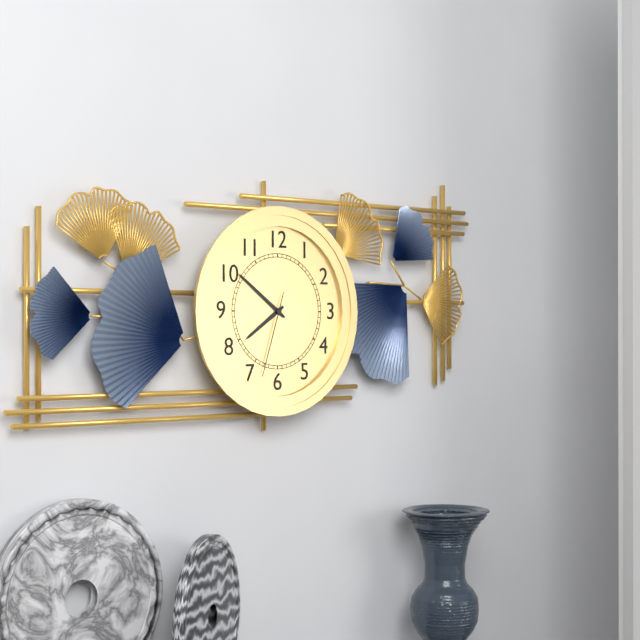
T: 7:51:33
